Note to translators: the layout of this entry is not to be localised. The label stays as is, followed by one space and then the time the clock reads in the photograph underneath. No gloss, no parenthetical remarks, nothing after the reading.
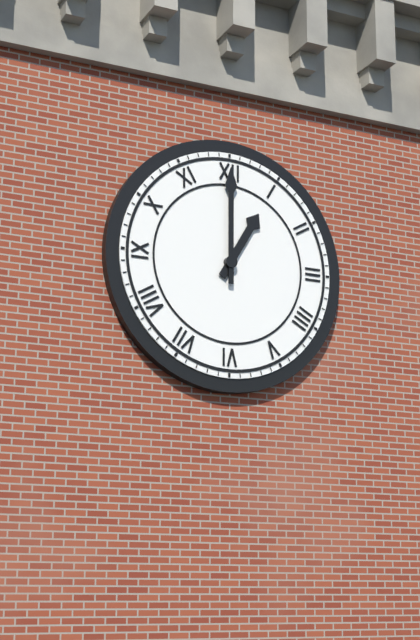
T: 1:00
